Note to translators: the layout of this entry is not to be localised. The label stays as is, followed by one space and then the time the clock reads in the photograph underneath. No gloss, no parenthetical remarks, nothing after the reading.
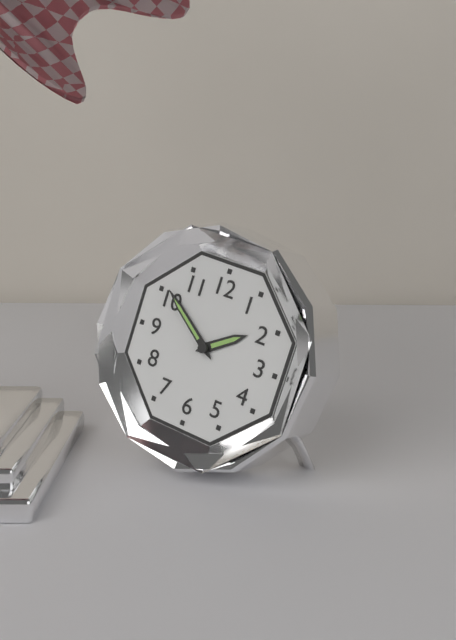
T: 1:51
